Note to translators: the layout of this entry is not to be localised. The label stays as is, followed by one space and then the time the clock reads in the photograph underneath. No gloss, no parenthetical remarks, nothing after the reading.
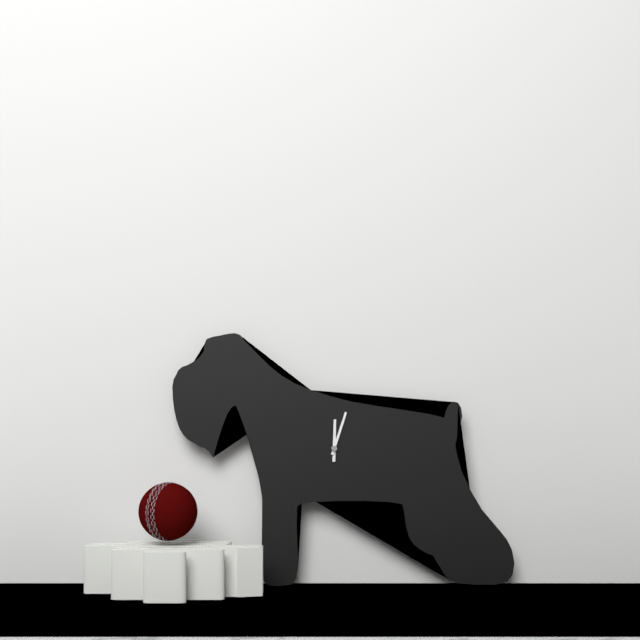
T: 12:03
